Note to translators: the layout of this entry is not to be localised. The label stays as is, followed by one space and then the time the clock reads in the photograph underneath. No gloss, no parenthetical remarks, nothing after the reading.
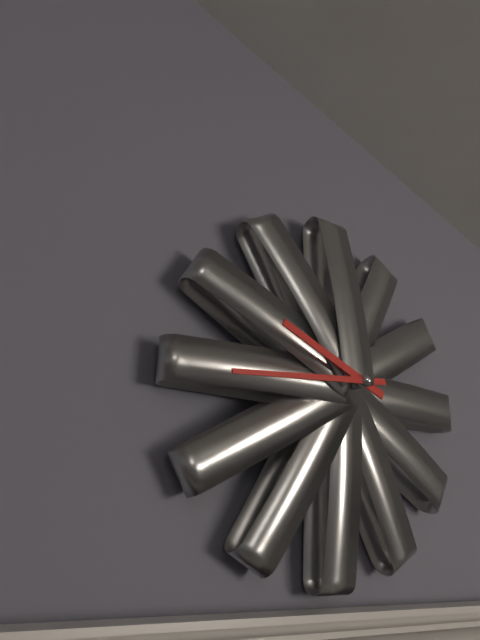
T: 9:44
